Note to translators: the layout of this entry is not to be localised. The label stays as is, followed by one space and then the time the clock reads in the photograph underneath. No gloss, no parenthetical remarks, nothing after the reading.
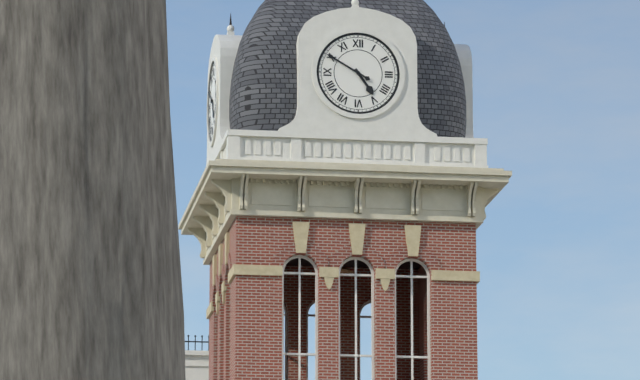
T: 4:50
